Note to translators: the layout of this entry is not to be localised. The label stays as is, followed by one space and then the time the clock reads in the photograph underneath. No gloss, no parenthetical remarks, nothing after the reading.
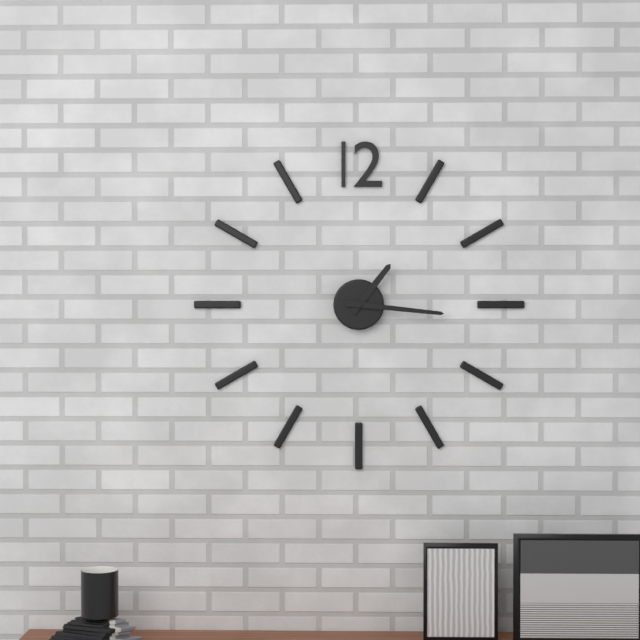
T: 1:16
